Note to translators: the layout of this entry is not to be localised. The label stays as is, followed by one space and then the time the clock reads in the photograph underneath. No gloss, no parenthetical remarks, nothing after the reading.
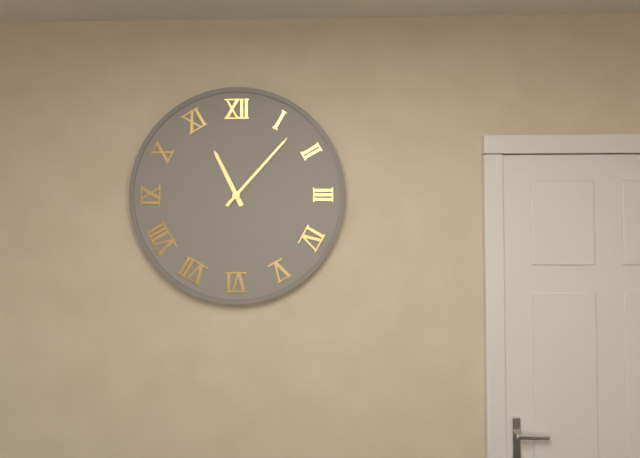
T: 11:07
